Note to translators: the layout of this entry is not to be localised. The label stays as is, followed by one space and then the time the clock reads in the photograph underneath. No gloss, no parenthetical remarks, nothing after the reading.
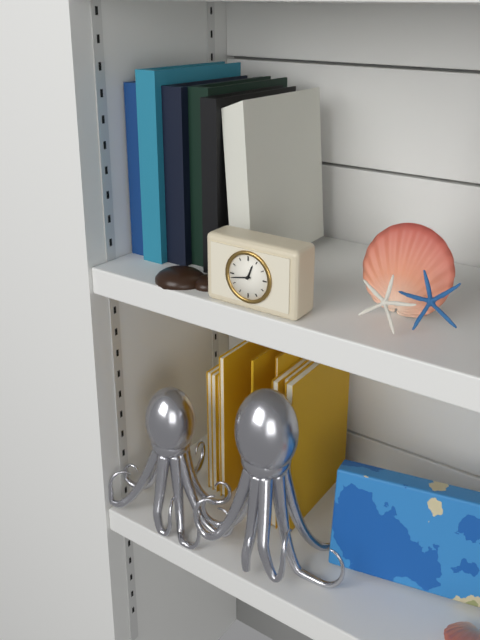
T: 12:43
